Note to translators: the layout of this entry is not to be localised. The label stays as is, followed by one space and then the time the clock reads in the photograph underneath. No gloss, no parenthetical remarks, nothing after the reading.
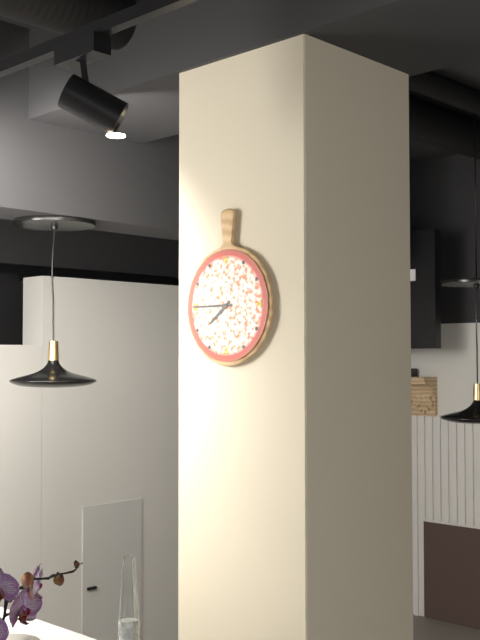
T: 7:45
